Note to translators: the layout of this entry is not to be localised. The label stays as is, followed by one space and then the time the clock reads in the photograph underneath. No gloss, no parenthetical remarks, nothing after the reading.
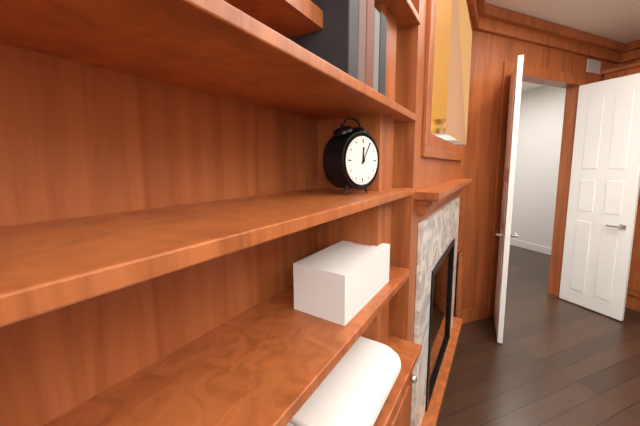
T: 12:05
